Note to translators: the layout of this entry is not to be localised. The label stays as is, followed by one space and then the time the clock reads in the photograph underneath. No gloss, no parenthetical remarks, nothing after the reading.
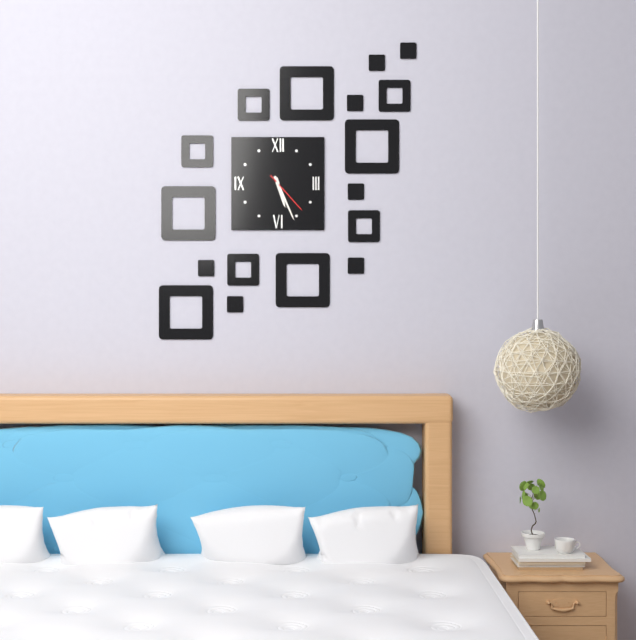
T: 5:26
